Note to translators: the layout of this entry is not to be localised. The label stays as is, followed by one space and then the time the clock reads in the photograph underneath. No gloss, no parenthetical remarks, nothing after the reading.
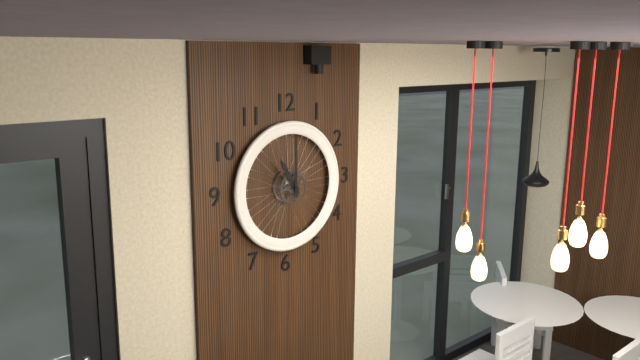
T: 11:00
